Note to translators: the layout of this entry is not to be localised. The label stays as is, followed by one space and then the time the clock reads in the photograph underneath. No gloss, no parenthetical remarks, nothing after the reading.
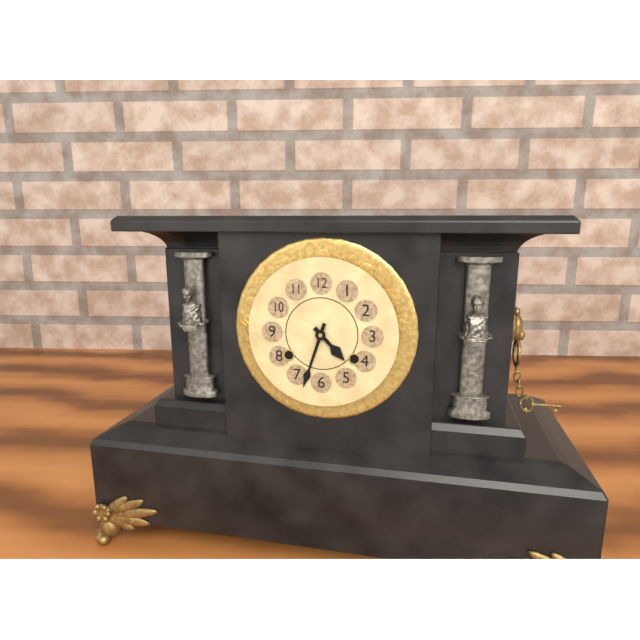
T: 4:33
